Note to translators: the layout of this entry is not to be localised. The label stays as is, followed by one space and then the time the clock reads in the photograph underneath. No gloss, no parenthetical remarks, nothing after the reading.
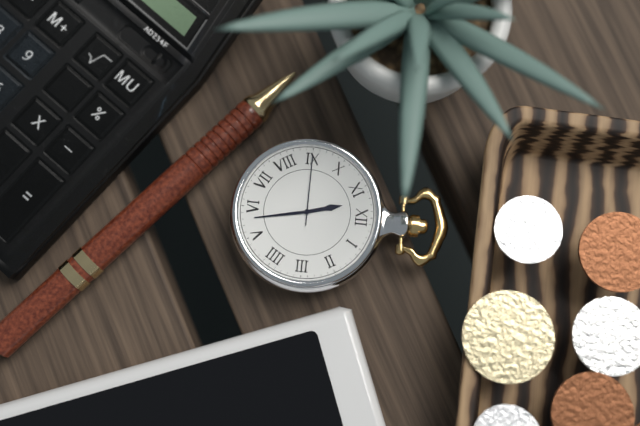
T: 11:28:45
